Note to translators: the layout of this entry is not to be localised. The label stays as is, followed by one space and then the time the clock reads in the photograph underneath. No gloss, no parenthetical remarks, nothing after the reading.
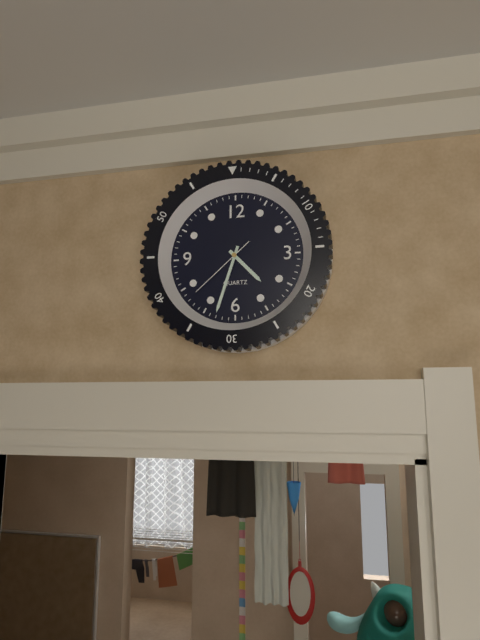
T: 4:33:38
